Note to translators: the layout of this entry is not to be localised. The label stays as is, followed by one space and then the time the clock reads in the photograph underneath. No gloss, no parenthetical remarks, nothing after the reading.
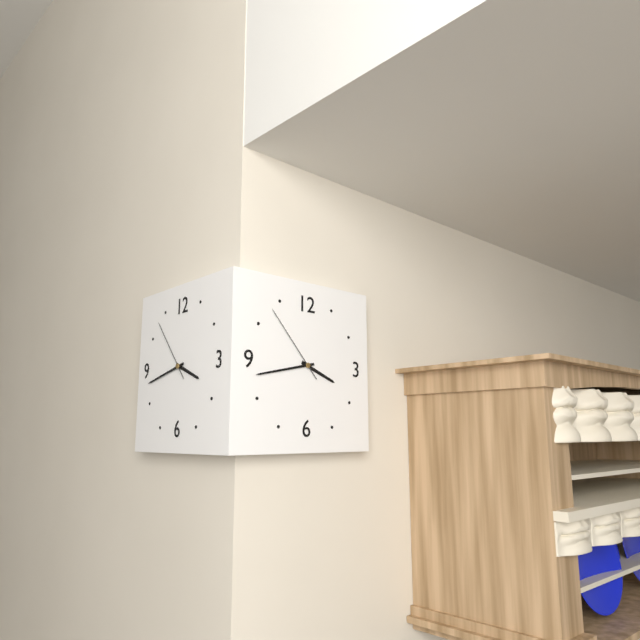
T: 3:43:53
